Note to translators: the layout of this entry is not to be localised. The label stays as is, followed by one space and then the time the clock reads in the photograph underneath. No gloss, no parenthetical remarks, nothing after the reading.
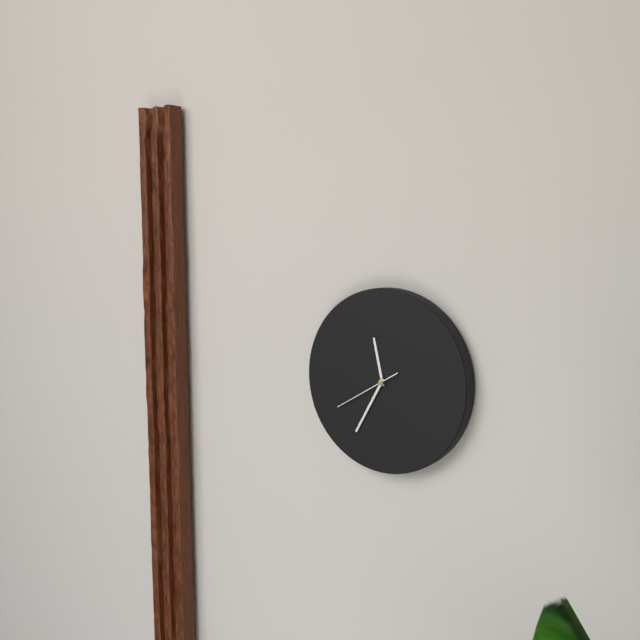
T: 11:35:40
